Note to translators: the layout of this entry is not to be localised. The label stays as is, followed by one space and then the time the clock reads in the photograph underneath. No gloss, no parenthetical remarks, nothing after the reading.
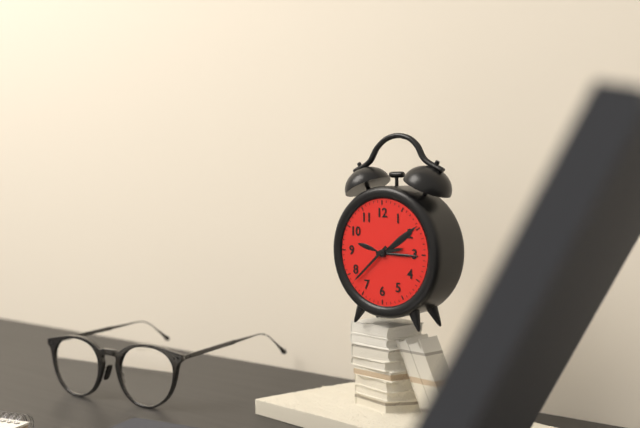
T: 2:38
